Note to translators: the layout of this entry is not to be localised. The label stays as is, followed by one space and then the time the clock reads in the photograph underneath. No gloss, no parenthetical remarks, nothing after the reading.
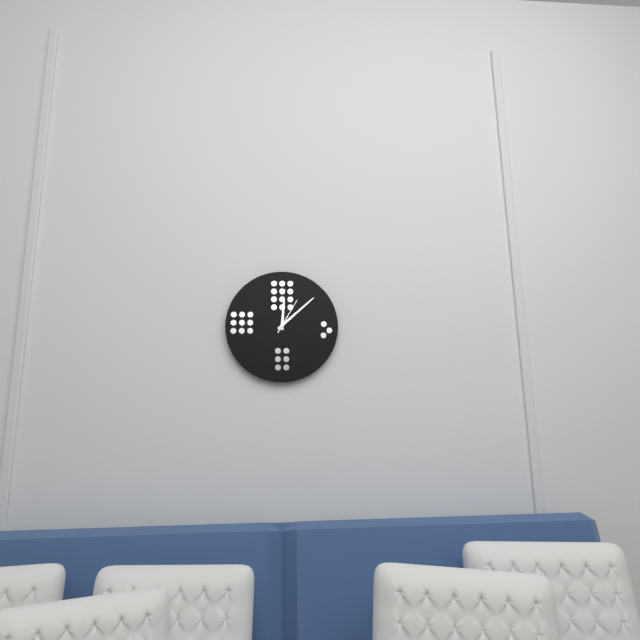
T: 12:08
